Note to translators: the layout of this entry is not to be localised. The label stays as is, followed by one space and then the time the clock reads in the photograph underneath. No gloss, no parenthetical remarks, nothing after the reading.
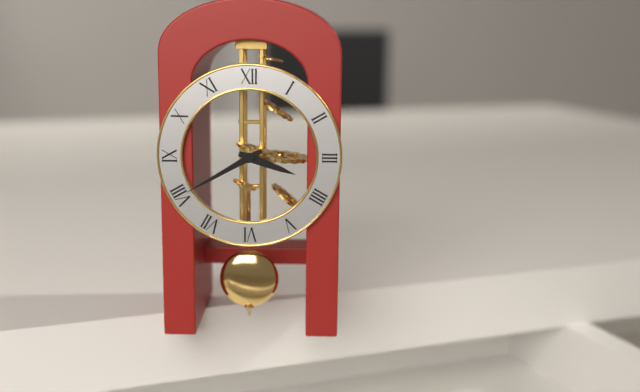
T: 3:40
